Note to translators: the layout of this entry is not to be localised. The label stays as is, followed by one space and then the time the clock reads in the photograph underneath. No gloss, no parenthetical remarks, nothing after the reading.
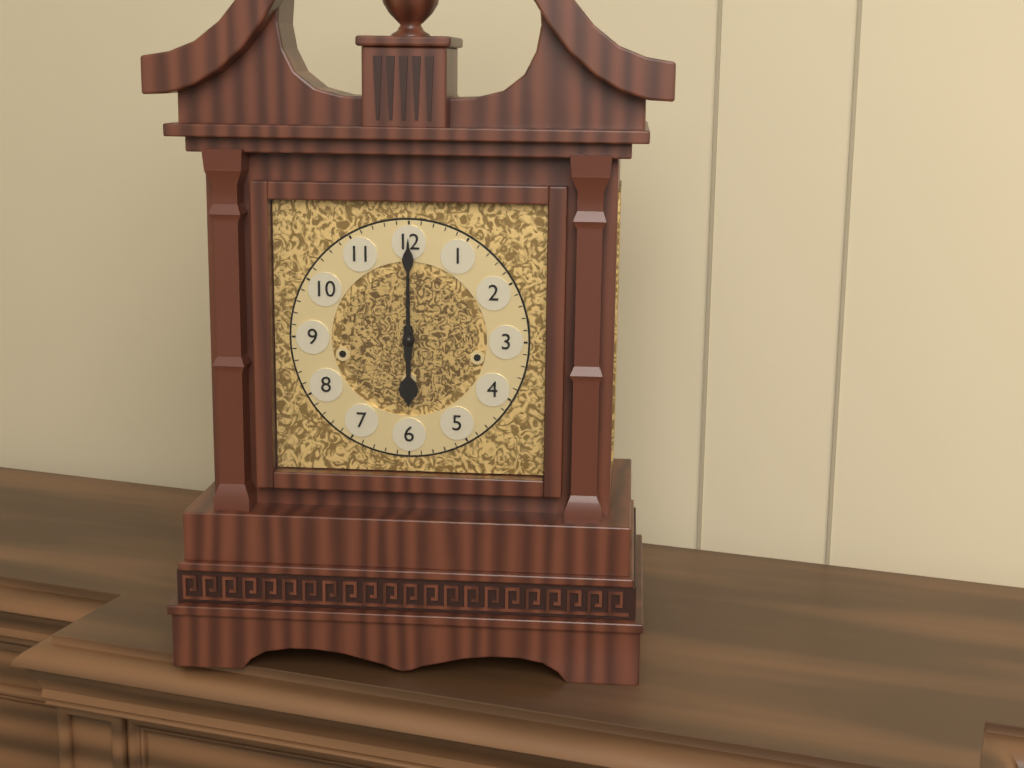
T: 6:00
